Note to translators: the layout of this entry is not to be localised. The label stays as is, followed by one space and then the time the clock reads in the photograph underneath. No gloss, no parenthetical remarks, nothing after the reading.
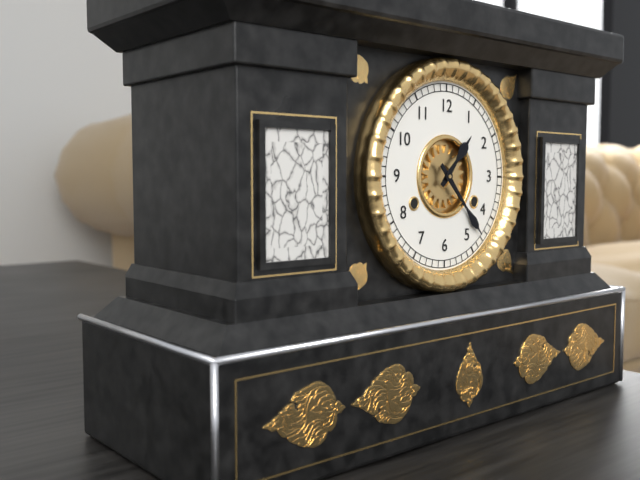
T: 1:23
